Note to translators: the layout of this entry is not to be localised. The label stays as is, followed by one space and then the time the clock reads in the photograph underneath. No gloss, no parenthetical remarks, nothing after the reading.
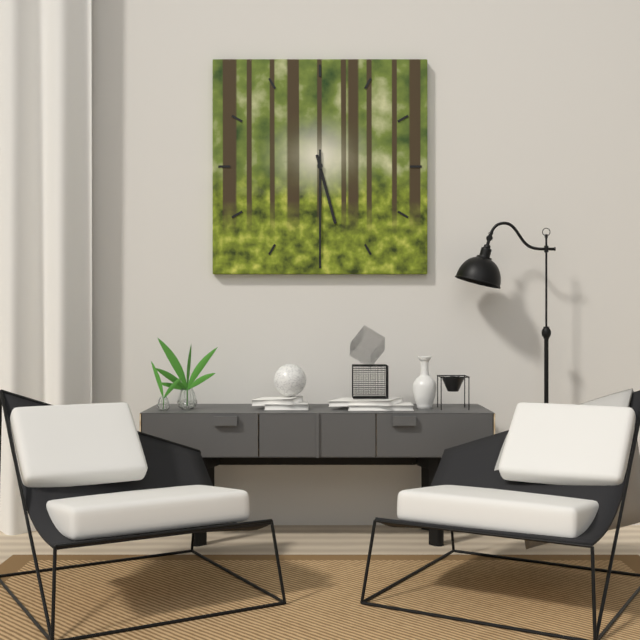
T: 5:30
